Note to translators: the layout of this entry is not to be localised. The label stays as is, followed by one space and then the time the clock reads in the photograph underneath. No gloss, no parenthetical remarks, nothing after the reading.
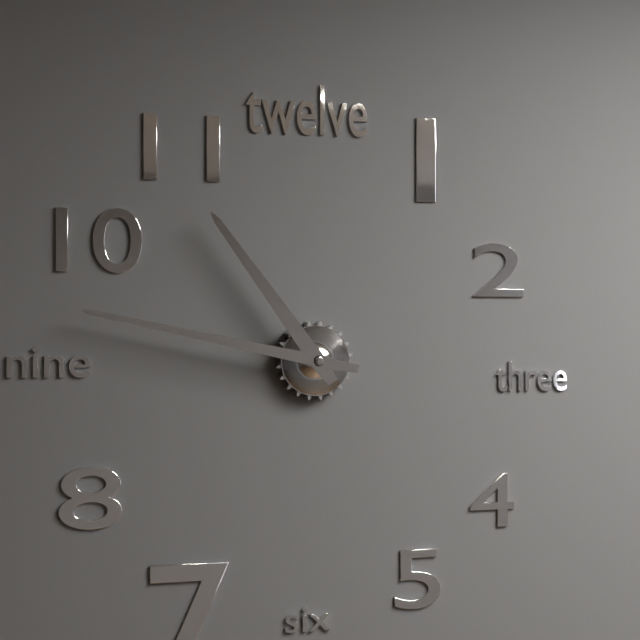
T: 10:47
